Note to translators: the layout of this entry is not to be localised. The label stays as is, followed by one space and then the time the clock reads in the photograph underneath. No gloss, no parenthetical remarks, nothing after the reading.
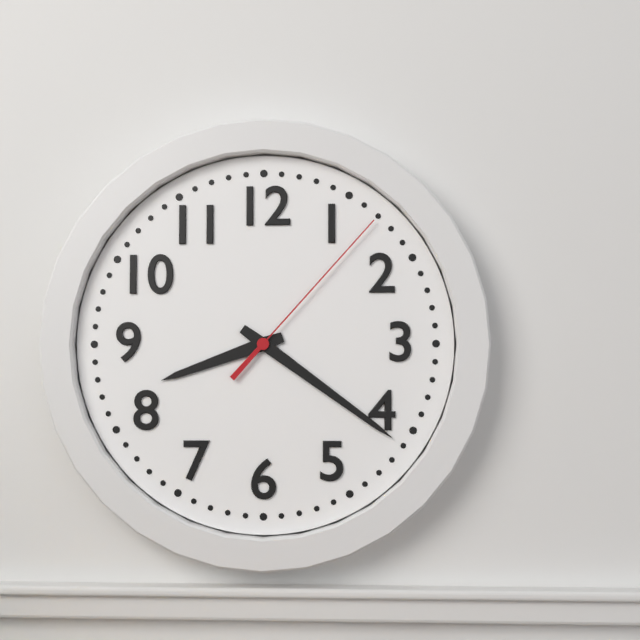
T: 8:21:07
